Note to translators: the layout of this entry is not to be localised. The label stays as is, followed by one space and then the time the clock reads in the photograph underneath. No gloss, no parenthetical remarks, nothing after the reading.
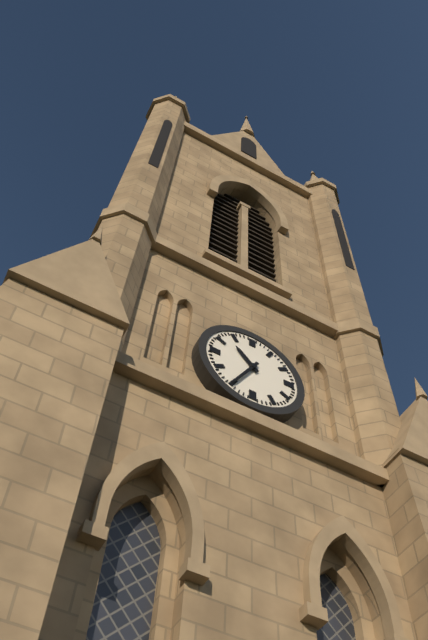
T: 10:35
